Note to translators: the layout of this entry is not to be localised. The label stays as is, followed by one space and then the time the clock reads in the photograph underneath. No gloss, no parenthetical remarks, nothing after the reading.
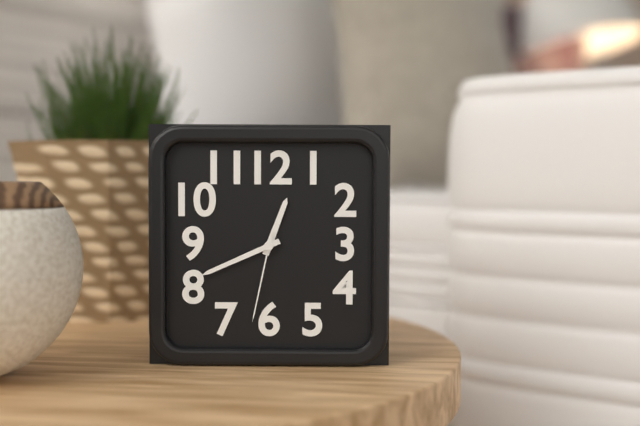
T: 12:41:32
